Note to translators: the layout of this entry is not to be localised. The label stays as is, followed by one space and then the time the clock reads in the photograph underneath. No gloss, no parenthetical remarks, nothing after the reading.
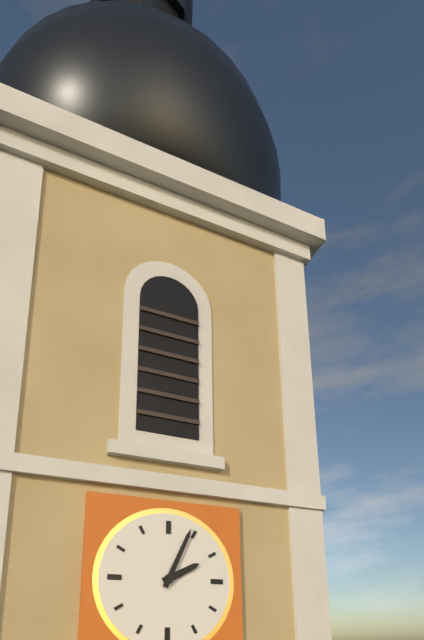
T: 2:04
